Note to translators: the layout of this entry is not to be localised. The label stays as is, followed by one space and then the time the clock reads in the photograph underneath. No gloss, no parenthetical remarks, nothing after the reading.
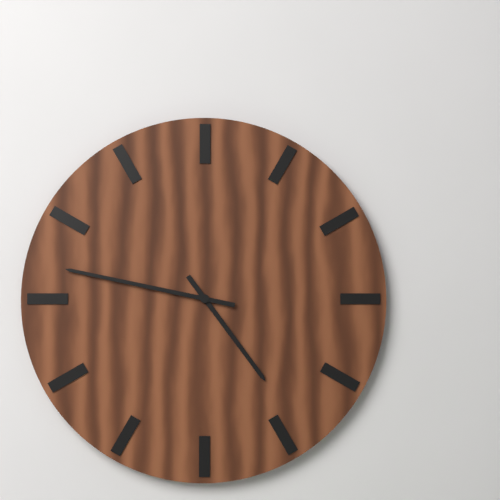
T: 4:47
